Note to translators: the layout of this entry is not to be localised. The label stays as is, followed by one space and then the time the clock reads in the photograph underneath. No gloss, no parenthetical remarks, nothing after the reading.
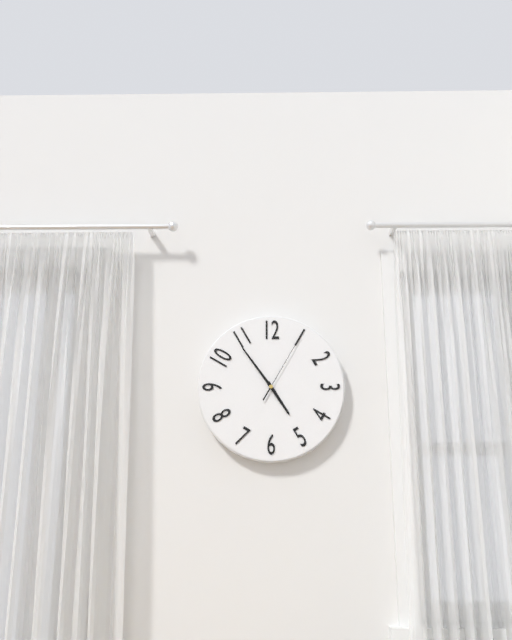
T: 4:54:05
